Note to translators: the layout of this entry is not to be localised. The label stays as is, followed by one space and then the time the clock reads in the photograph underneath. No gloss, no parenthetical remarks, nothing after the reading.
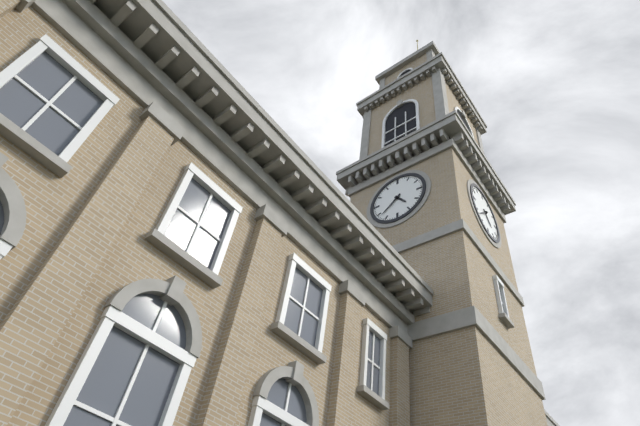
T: 4:38
